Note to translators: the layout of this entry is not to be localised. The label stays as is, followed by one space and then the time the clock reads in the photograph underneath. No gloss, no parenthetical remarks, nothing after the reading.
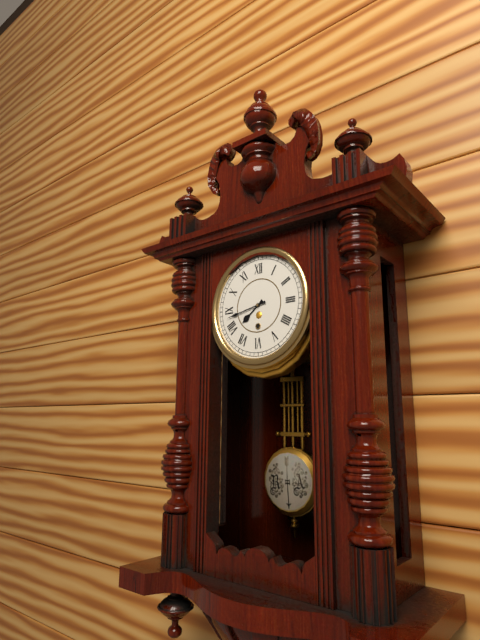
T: 7:43
